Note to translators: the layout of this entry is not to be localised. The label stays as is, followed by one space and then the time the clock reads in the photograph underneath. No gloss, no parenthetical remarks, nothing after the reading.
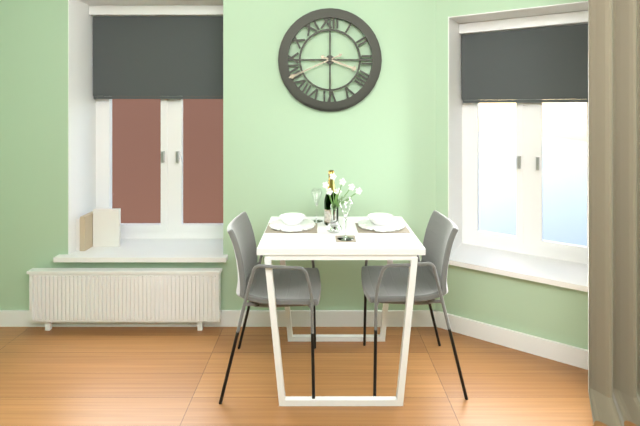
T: 3:41
